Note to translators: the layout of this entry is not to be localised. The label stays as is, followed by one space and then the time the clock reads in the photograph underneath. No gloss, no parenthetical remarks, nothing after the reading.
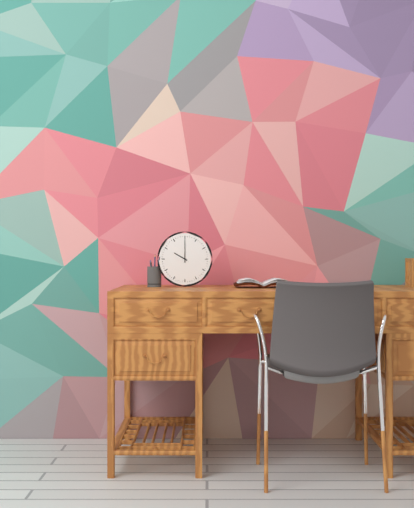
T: 10:00
